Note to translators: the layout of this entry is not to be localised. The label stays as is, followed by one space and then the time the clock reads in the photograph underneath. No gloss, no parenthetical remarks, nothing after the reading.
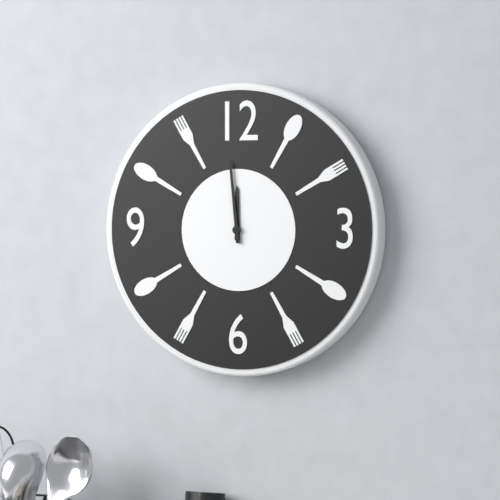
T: 11:59
